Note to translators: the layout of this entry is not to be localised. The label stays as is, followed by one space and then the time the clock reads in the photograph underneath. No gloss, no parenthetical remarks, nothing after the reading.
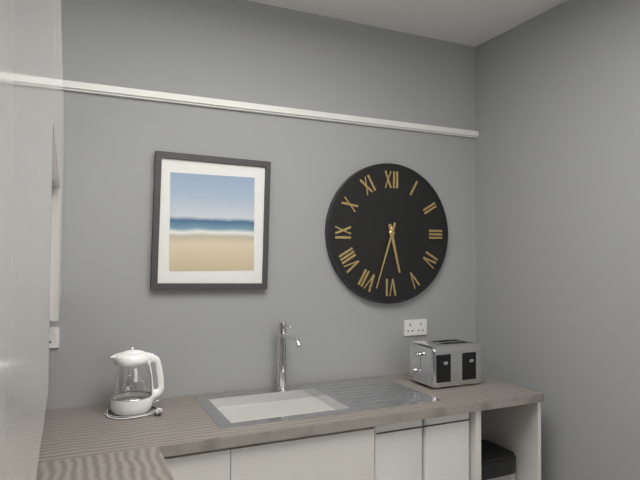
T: 5:33
